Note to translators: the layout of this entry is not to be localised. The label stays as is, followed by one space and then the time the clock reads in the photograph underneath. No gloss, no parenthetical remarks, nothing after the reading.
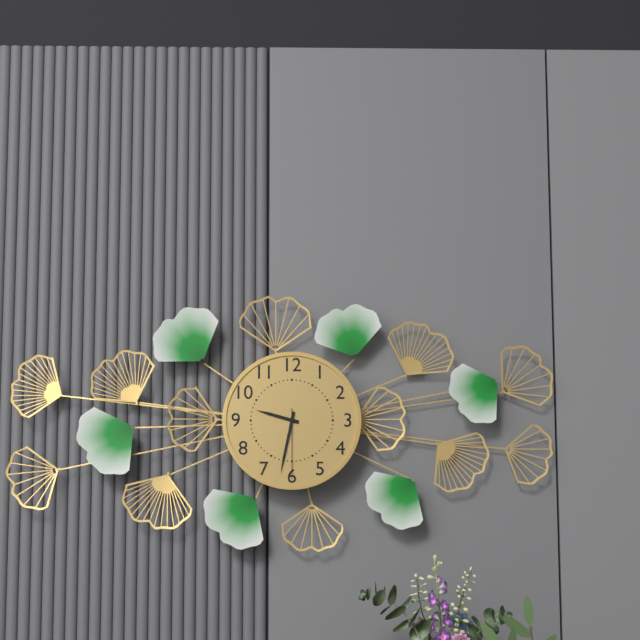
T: 9:32:30
